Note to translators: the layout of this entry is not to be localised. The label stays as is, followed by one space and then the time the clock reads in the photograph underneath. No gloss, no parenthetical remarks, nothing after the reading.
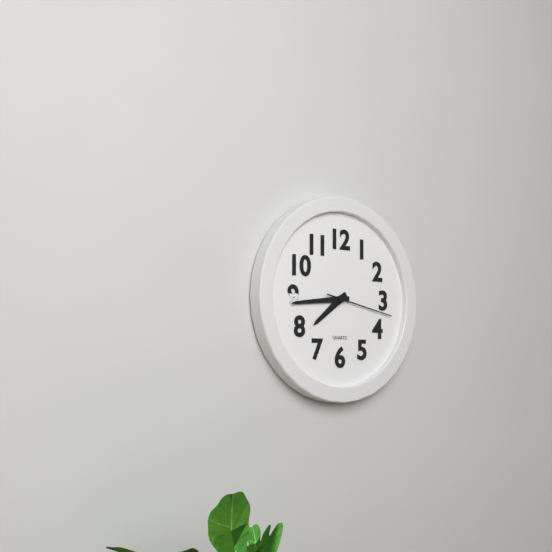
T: 7:44:17
